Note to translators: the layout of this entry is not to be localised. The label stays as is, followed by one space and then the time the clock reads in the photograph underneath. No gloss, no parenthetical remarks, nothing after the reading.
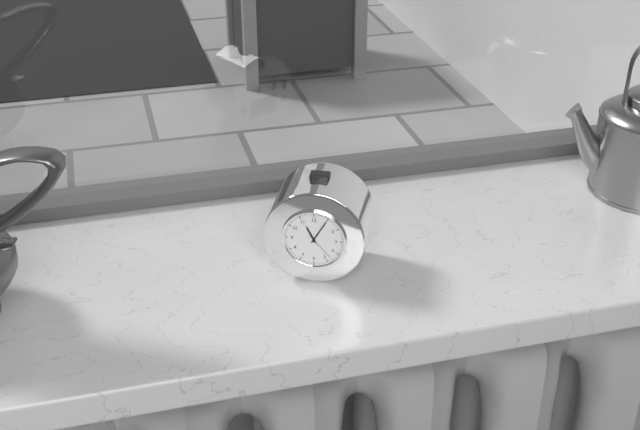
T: 11:05
